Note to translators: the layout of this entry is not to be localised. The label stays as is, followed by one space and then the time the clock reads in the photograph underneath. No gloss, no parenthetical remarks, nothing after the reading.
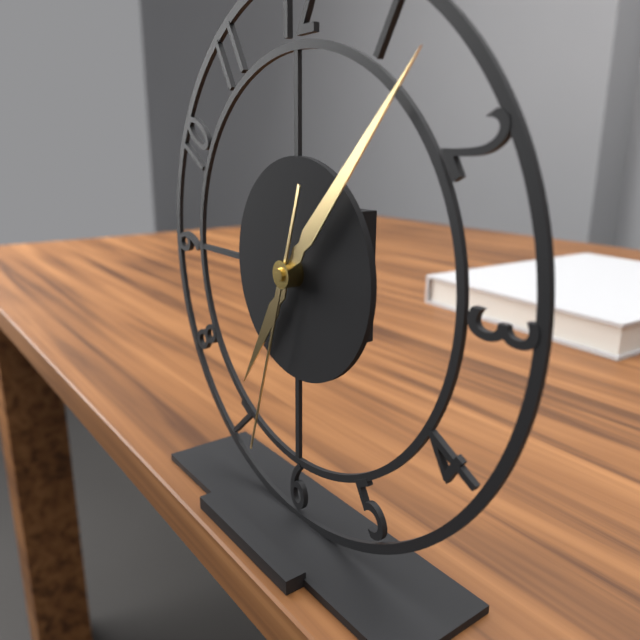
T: 7:07:33
